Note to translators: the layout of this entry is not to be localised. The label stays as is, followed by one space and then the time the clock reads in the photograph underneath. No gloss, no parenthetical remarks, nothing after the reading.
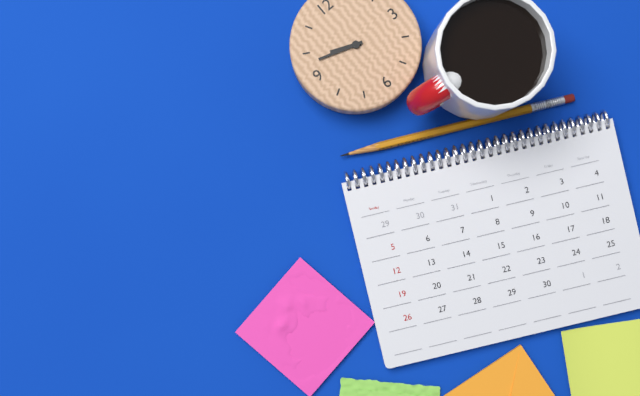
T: 9:48
